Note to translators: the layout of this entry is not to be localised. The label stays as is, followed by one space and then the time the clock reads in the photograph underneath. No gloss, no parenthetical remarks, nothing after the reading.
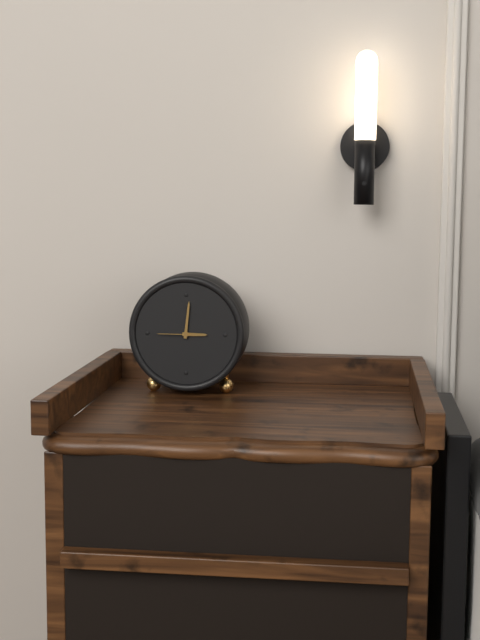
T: 3:01
